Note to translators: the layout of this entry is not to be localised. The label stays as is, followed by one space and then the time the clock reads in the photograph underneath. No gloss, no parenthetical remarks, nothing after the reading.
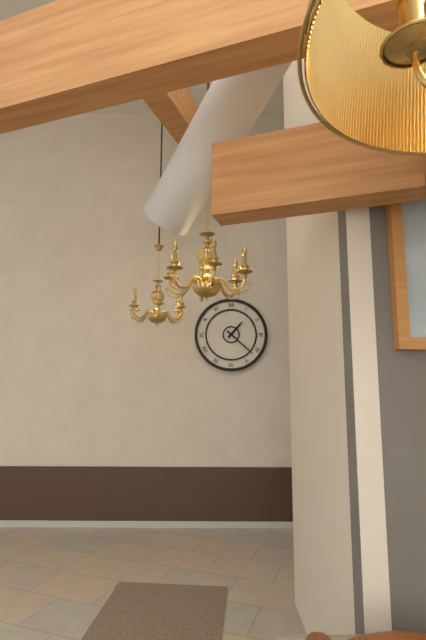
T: 1:22
